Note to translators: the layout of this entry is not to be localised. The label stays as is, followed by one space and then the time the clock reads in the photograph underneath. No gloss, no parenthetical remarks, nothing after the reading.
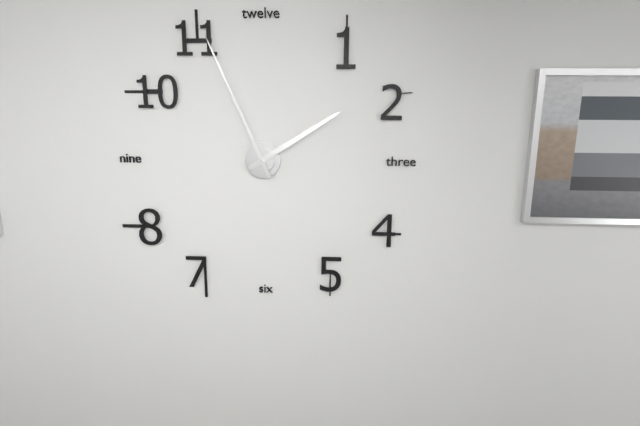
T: 1:56
